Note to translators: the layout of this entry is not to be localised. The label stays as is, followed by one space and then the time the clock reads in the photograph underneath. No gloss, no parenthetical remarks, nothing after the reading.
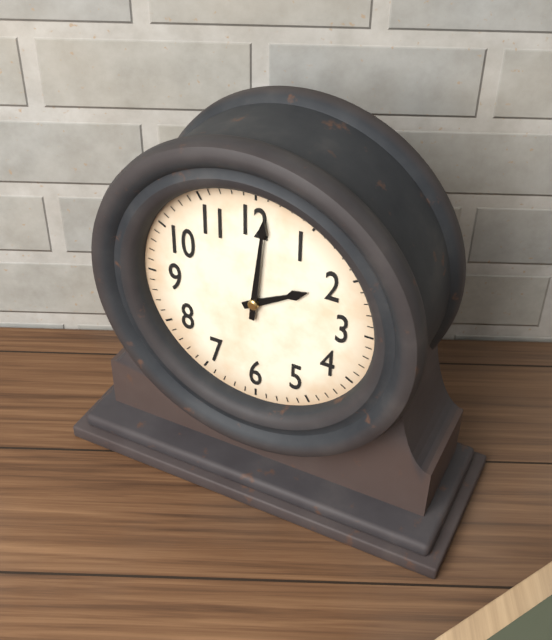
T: 2:01
